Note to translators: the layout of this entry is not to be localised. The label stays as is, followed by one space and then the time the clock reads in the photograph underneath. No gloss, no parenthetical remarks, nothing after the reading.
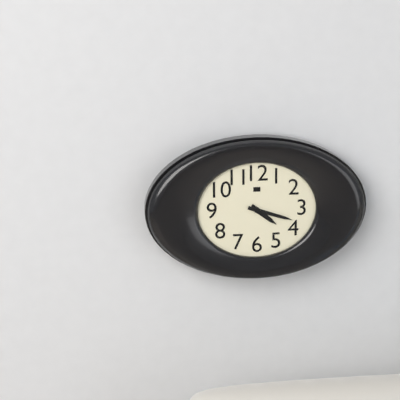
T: 4:18
